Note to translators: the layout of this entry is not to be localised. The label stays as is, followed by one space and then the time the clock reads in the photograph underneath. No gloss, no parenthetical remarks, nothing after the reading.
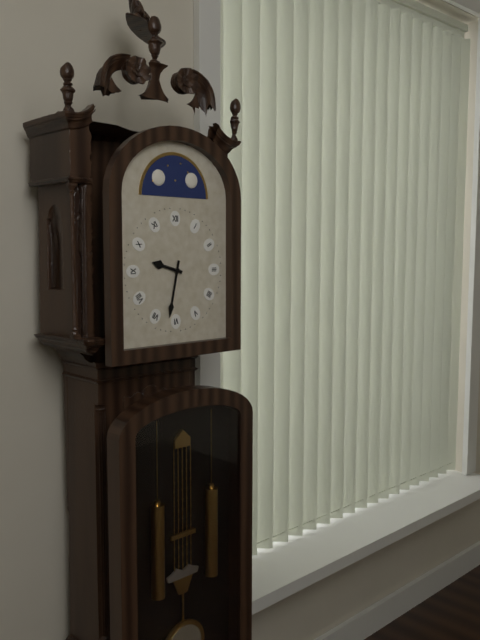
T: 9:32
